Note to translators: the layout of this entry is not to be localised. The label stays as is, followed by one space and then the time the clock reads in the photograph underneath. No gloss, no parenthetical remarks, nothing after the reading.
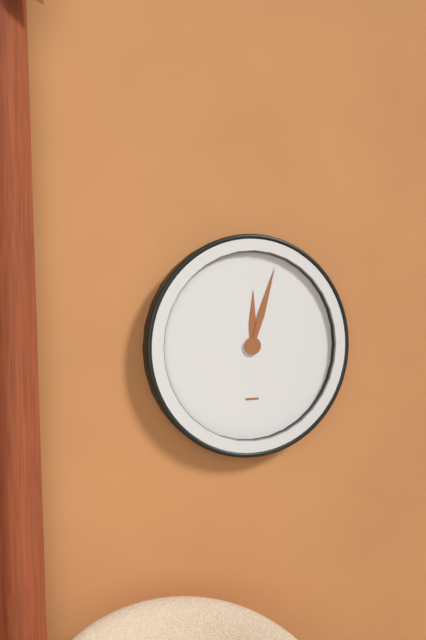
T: 12:03
